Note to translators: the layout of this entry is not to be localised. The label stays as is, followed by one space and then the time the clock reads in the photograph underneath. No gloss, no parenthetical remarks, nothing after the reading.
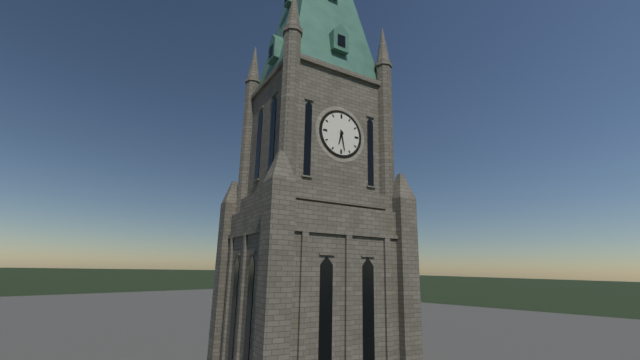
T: 6:28
